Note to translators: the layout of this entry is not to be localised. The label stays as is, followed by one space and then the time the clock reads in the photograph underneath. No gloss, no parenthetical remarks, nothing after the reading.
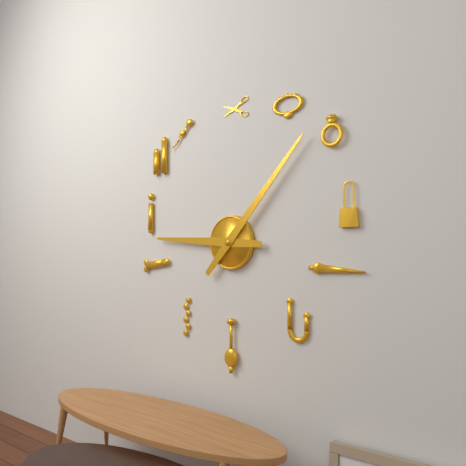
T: 9:07
